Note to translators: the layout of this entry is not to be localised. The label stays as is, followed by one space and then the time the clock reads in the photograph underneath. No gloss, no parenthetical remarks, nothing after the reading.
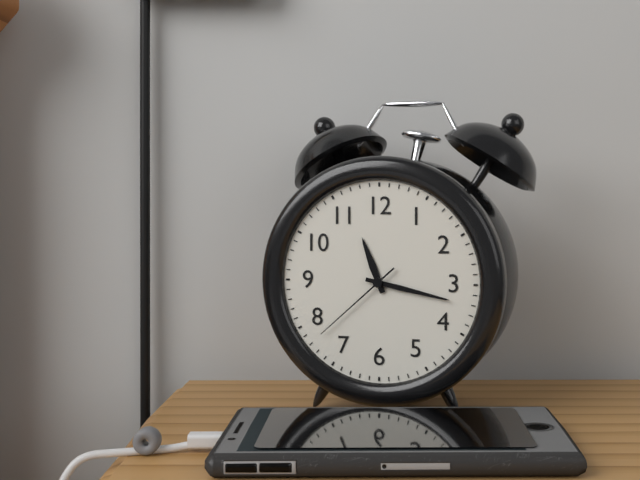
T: 11:17:38
